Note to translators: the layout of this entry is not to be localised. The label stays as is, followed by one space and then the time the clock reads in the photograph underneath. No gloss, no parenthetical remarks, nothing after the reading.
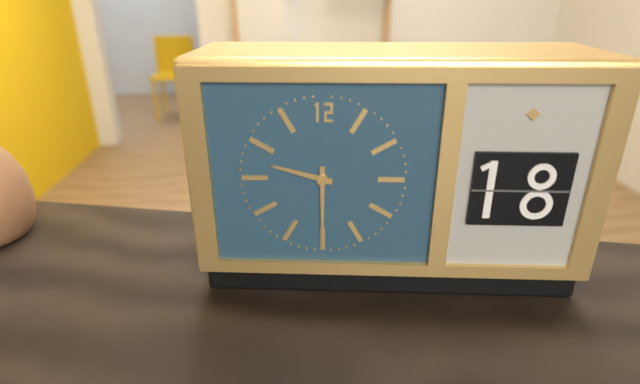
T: 9:30
